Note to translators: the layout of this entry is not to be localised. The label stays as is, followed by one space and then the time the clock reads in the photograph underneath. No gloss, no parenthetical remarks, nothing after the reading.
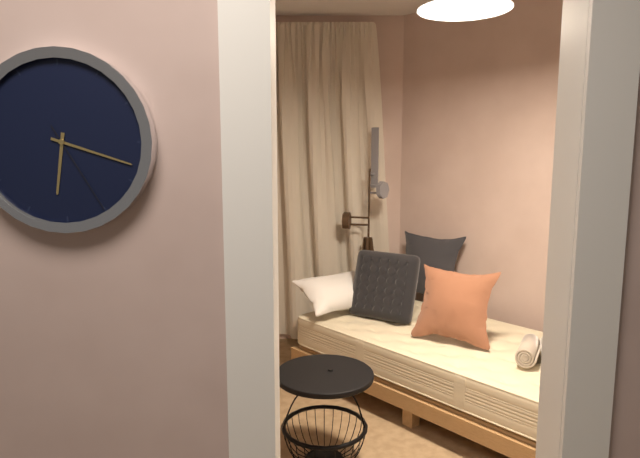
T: 6:18:25
